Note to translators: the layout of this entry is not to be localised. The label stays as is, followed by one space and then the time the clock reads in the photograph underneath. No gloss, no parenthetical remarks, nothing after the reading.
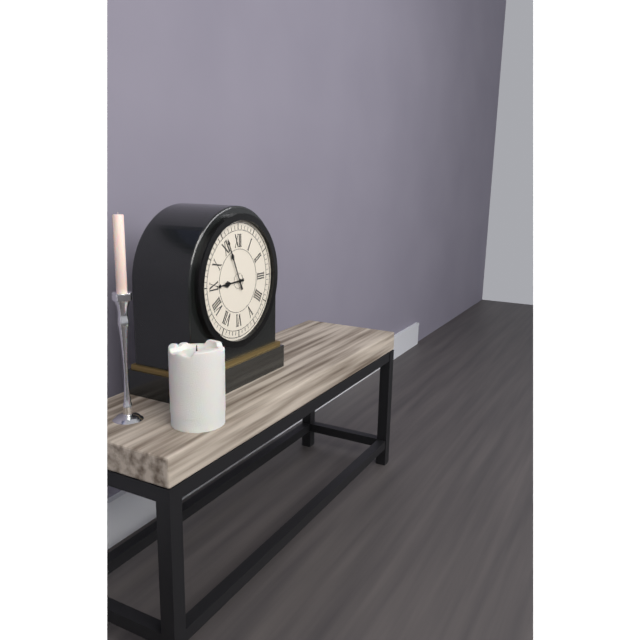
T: 8:56
